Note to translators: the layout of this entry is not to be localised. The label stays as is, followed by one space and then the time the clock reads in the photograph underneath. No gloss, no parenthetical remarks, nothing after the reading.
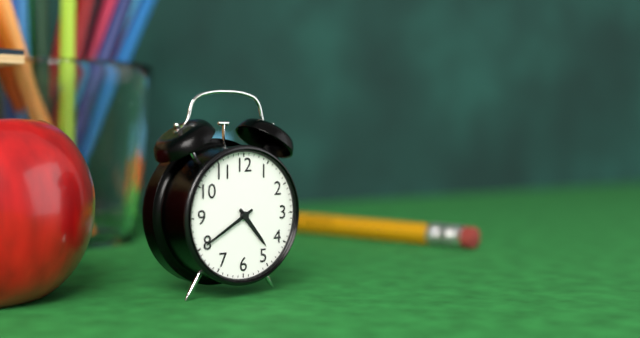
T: 4:40
